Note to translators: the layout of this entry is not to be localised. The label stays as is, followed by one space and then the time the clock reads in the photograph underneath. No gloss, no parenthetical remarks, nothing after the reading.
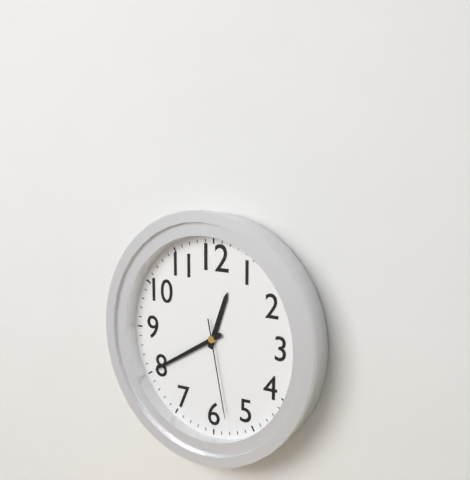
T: 12:40:28
